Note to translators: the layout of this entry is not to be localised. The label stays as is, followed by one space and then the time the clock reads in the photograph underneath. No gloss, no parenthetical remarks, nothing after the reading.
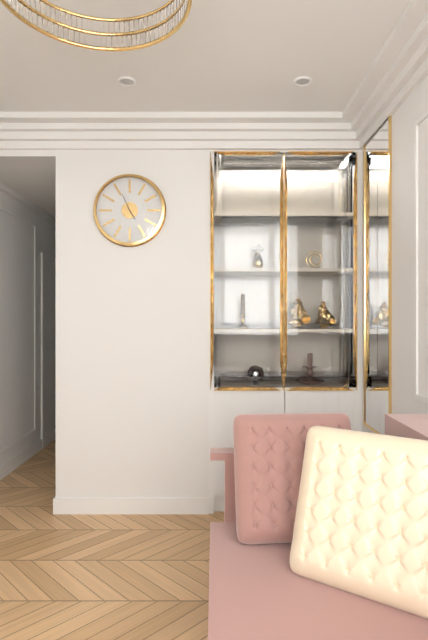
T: 4:56
